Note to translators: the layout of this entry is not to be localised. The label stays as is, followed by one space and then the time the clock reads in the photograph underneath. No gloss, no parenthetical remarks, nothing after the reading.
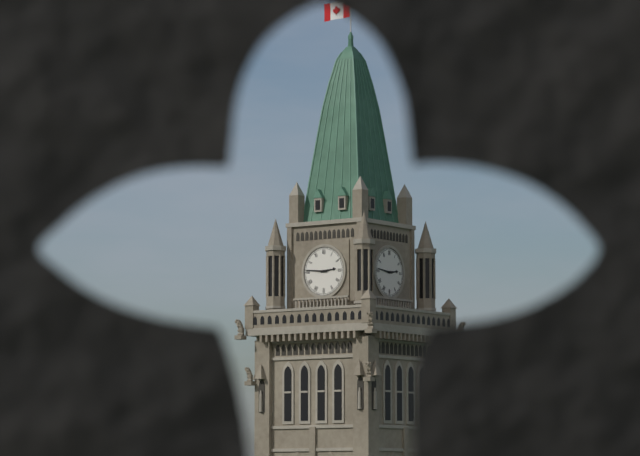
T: 2:46
